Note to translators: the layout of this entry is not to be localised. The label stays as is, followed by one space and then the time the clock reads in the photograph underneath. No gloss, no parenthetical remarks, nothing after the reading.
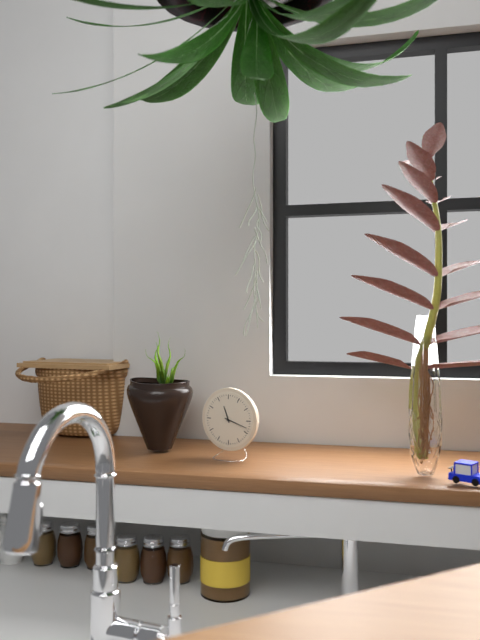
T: 11:18
